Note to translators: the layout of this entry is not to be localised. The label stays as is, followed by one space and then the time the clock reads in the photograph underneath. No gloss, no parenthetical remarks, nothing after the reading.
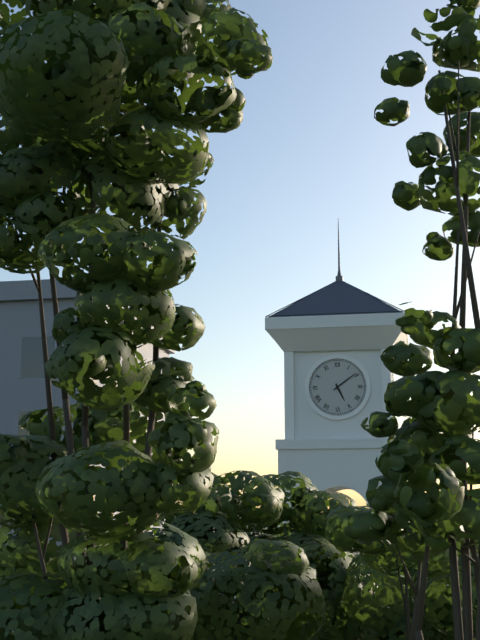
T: 5:09
